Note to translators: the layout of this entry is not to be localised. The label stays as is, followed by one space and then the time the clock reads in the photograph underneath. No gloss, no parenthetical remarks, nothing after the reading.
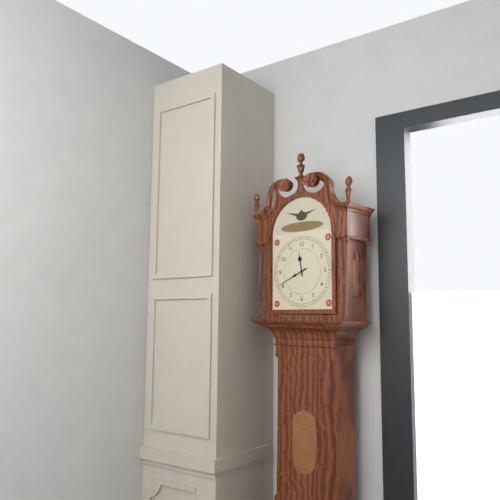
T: 11:41
